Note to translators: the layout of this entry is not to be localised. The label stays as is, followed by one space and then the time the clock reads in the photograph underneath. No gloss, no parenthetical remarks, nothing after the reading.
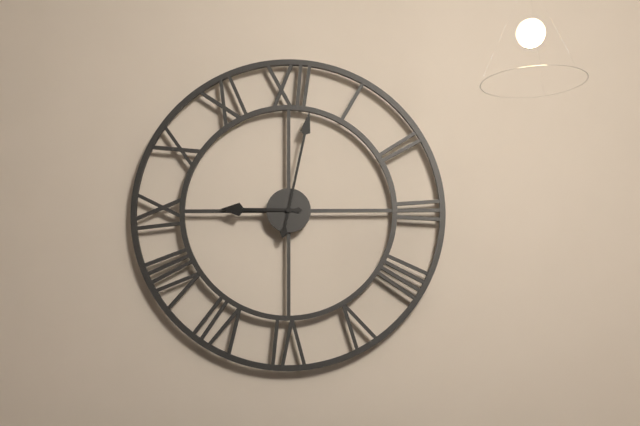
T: 9:02
